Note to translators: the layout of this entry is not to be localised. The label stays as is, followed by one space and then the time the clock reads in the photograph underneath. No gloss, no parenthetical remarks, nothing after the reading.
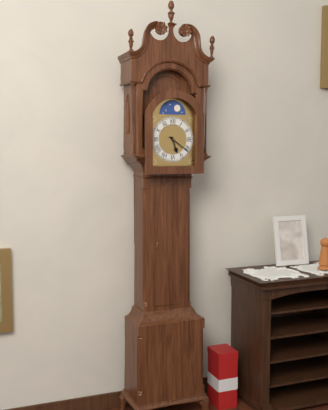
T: 5:21
